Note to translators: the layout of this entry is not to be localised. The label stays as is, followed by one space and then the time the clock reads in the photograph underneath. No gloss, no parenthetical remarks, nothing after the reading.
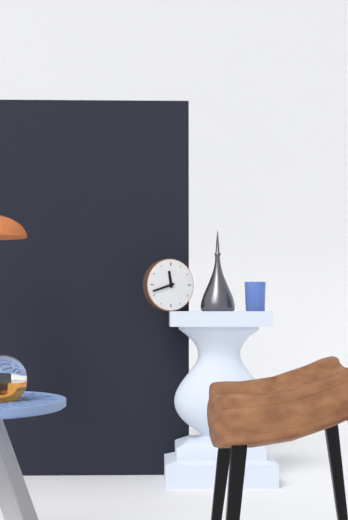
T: 11:42
